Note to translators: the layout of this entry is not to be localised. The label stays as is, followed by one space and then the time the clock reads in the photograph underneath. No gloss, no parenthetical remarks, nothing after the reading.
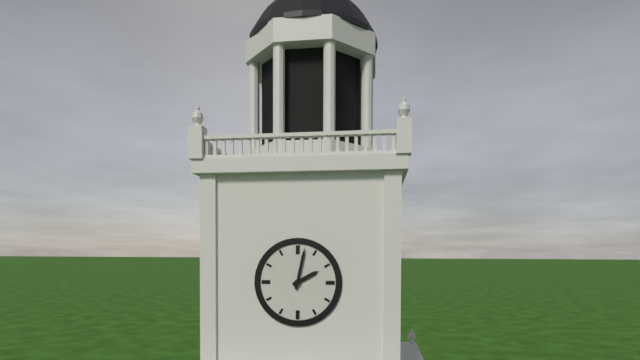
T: 2:02
